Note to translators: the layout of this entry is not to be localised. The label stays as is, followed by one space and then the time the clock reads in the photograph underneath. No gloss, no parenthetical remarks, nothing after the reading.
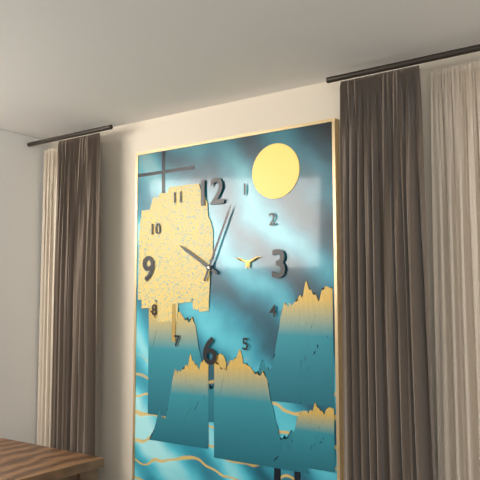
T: 10:04
